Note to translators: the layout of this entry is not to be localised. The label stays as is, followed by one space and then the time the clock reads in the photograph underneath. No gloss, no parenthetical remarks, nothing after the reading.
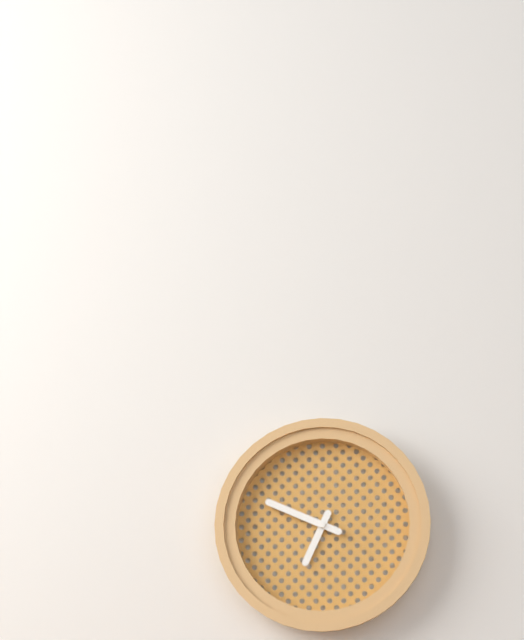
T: 6:49
